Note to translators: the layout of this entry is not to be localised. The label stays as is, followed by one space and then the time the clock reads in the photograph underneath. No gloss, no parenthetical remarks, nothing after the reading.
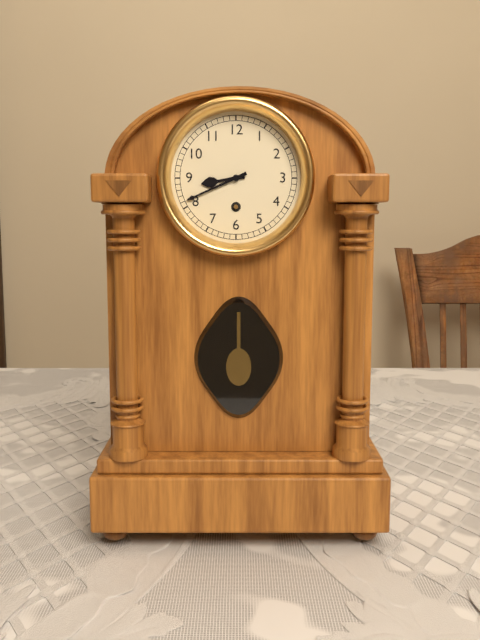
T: 8:41
